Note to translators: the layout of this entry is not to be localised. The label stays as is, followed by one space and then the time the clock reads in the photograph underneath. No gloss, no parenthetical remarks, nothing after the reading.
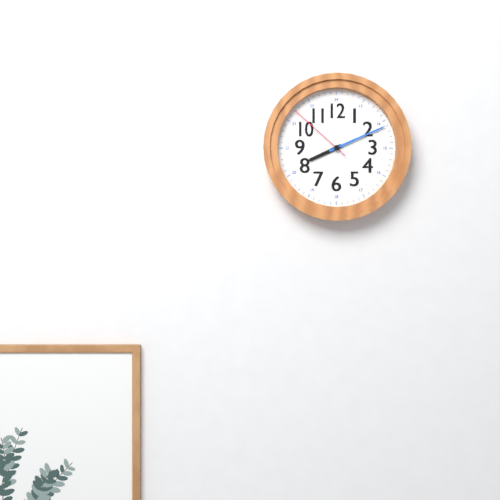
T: 8:11:52
